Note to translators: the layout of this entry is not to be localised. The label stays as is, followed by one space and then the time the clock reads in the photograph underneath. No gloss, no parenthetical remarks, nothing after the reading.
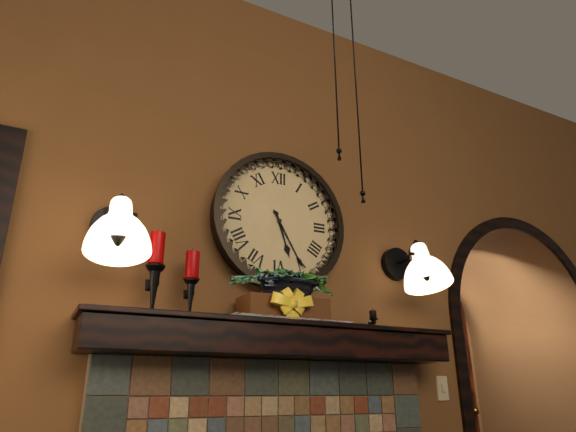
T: 5:25
